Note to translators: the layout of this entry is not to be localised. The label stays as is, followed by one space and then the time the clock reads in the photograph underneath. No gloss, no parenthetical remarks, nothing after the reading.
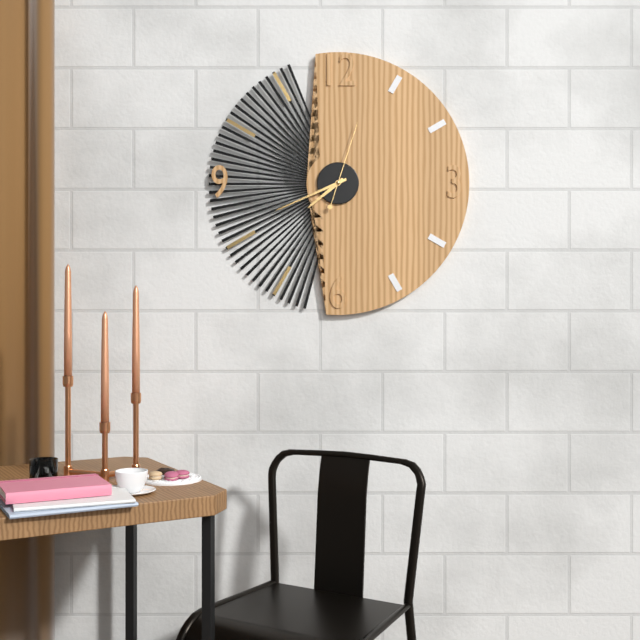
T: 7:41:03
